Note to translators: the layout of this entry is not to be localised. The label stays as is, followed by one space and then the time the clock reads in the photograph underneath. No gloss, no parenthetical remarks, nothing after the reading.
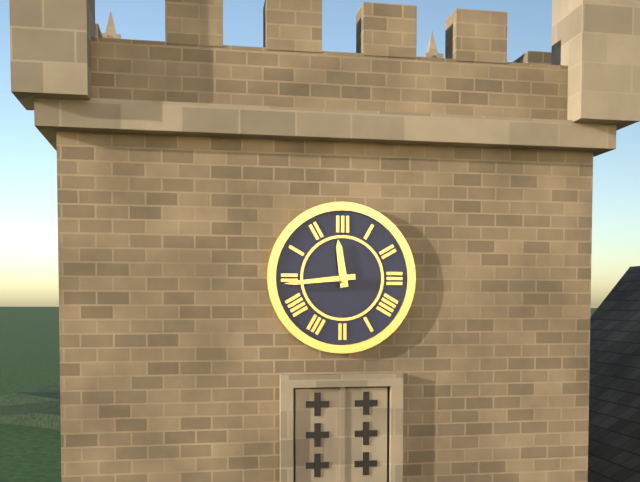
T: 11:44
